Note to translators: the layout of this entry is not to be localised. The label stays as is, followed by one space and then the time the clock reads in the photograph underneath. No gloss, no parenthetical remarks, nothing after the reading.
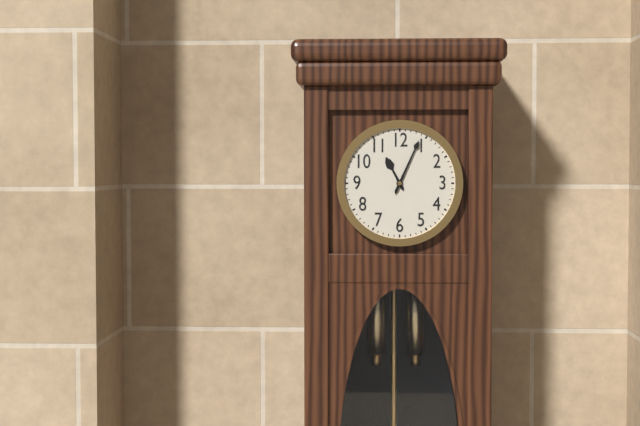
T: 11:04
